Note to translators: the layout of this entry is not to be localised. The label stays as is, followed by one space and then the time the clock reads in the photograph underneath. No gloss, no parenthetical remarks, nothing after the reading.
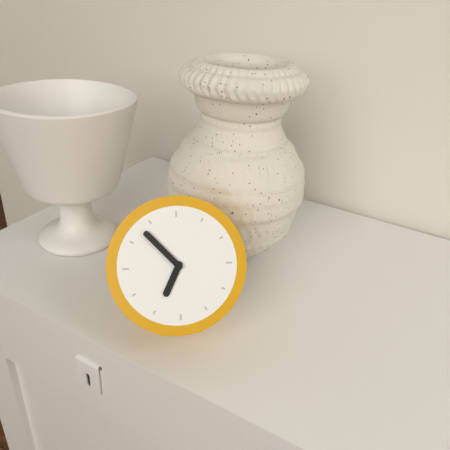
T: 6:53
